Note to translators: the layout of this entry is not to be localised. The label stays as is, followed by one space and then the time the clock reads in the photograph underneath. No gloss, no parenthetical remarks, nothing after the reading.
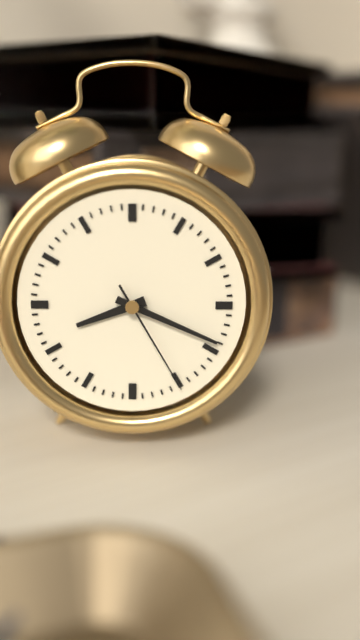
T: 8:19:25
